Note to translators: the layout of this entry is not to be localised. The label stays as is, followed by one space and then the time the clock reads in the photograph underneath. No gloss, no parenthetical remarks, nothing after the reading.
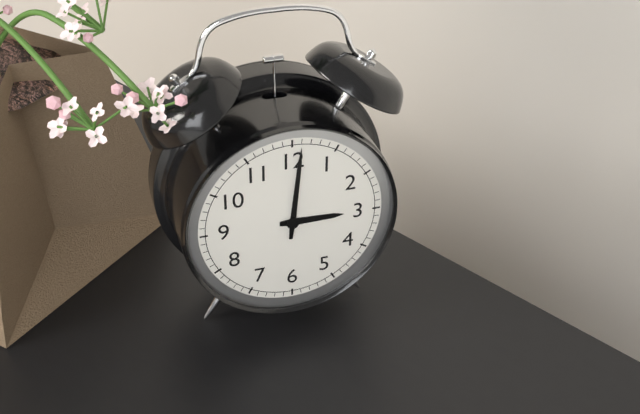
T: 3:01
